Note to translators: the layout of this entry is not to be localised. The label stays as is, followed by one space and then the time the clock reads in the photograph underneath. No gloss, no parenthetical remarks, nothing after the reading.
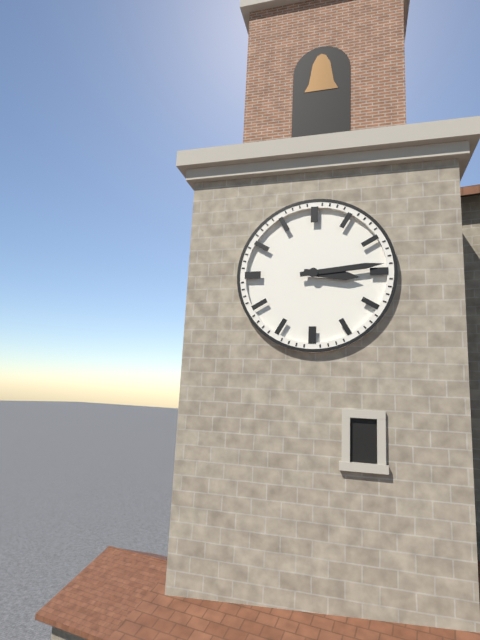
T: 3:14
